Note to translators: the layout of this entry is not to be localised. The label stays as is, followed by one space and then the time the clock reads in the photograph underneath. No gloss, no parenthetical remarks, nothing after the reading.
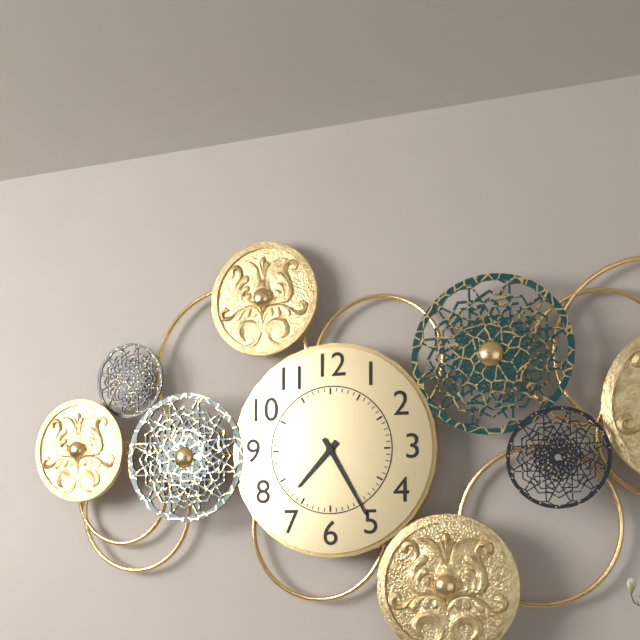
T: 7:25
